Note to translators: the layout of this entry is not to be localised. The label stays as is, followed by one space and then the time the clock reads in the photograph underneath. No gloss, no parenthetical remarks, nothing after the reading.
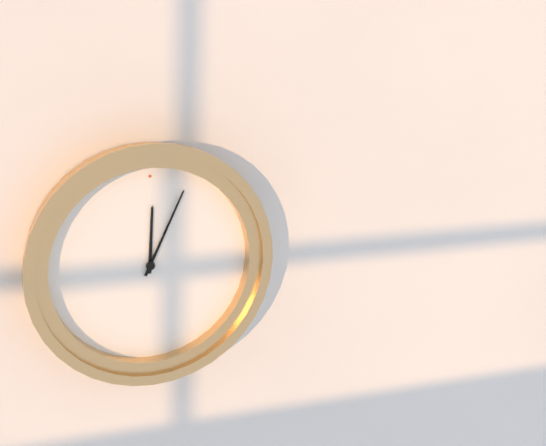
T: 12:04
